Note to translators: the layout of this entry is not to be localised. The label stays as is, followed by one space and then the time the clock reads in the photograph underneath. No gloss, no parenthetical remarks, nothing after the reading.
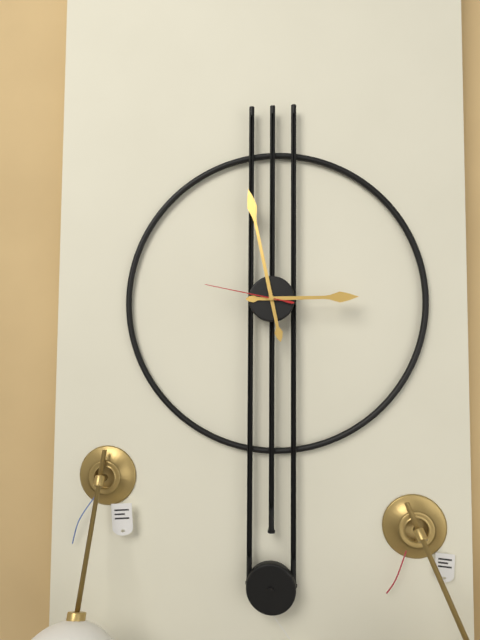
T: 2:58:47
